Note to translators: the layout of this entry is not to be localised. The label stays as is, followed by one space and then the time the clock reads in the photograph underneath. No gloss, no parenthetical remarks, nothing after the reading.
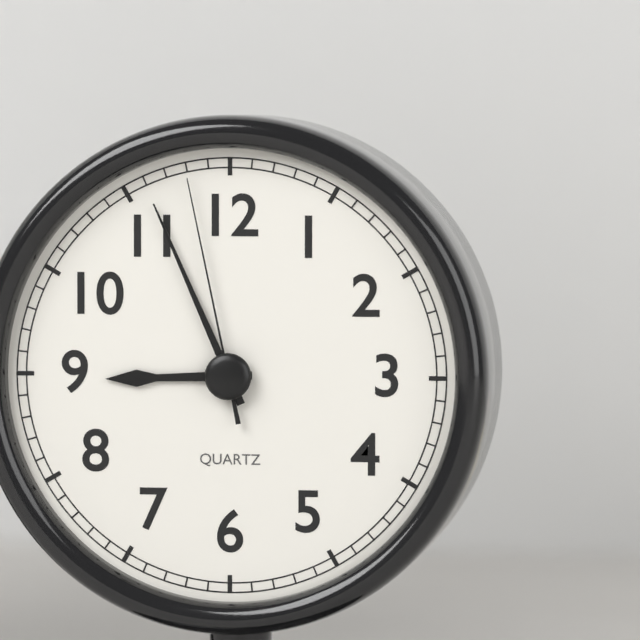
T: 8:56:58
